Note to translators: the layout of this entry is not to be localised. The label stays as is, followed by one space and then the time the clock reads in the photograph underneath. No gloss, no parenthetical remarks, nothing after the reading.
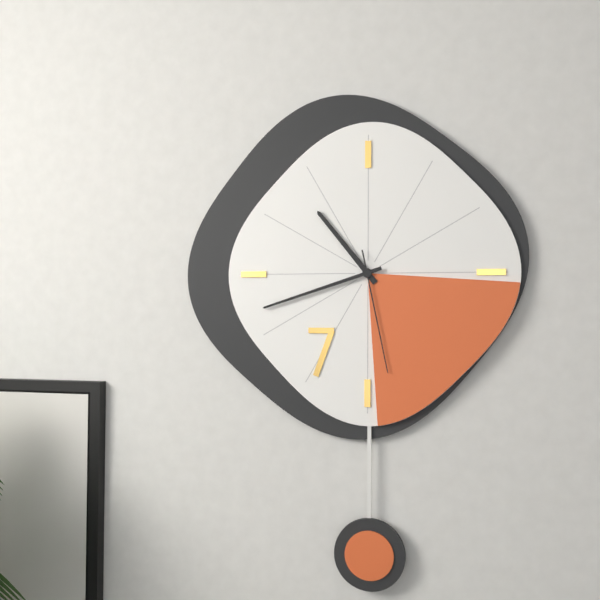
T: 10:42:28
